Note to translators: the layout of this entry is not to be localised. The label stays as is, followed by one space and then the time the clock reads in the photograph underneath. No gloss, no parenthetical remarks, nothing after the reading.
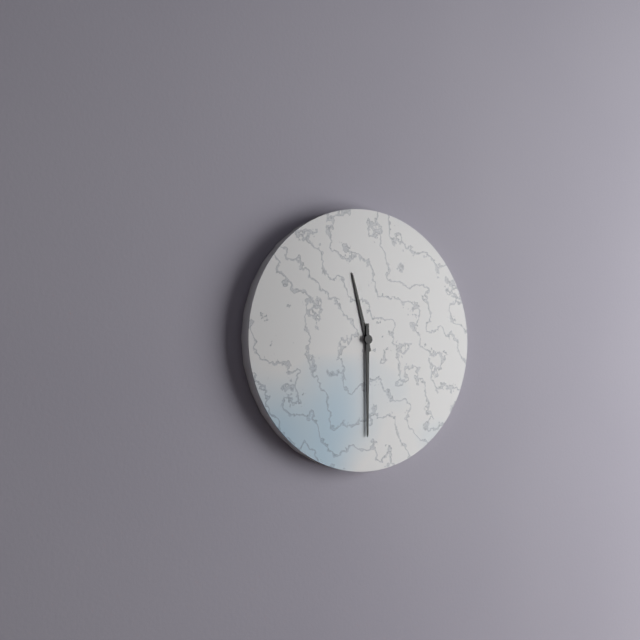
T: 11:30
